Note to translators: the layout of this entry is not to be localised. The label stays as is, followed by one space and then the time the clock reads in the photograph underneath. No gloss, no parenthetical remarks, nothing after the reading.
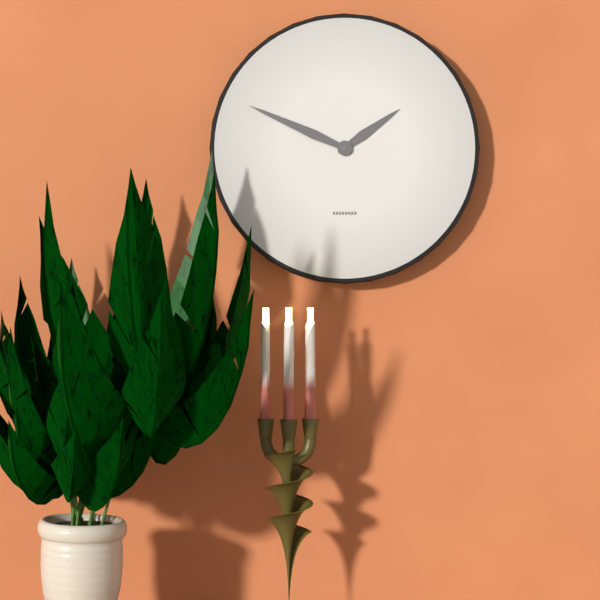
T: 1:49
